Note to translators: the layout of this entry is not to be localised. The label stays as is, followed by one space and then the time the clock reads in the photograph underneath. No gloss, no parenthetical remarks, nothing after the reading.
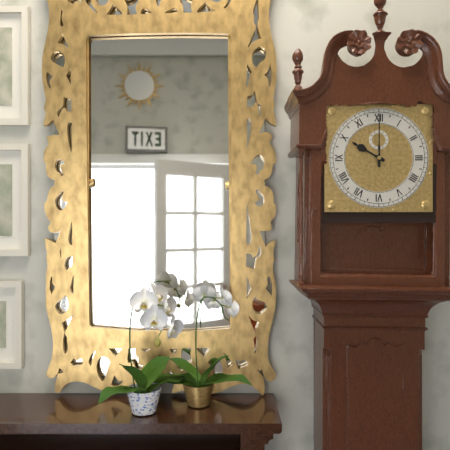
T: 10:00
